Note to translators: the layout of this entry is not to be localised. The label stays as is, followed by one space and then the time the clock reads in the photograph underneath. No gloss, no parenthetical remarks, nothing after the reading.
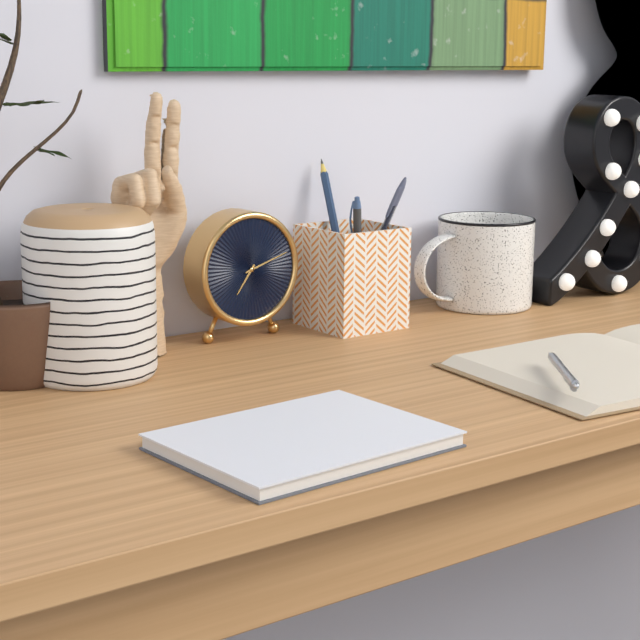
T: 7:12
